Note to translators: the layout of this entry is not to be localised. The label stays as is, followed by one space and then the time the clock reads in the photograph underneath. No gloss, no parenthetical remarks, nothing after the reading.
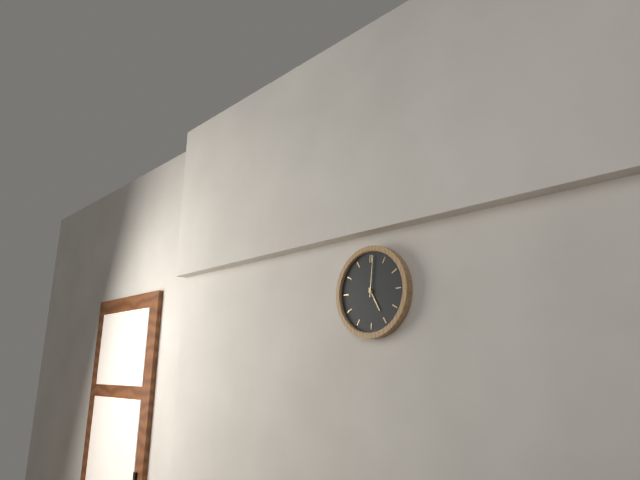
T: 5:01
